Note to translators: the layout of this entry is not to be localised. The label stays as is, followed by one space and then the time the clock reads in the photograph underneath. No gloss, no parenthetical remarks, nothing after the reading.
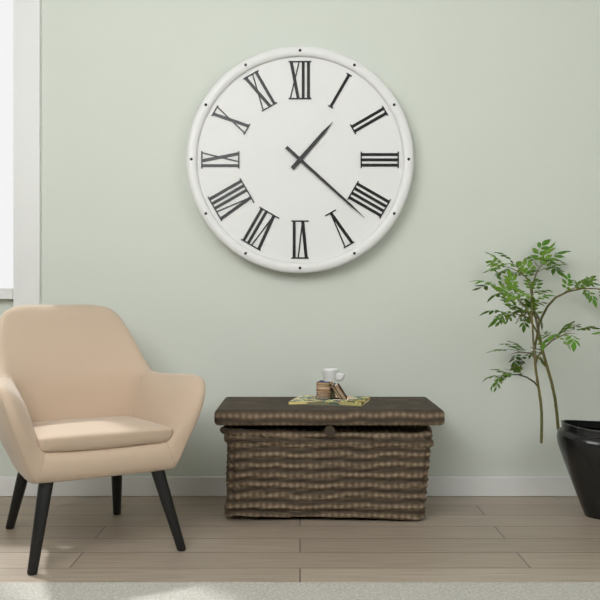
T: 1:22
